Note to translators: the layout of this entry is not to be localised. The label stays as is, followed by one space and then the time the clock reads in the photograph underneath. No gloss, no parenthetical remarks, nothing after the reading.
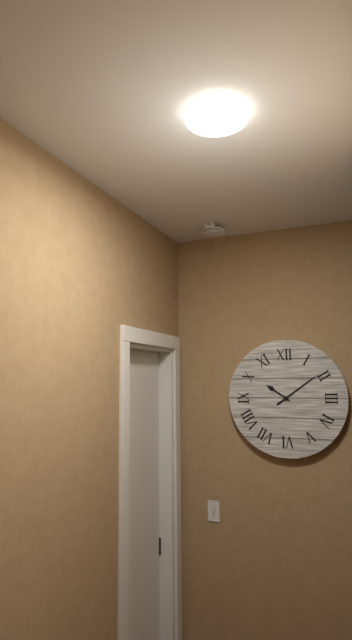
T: 10:09
